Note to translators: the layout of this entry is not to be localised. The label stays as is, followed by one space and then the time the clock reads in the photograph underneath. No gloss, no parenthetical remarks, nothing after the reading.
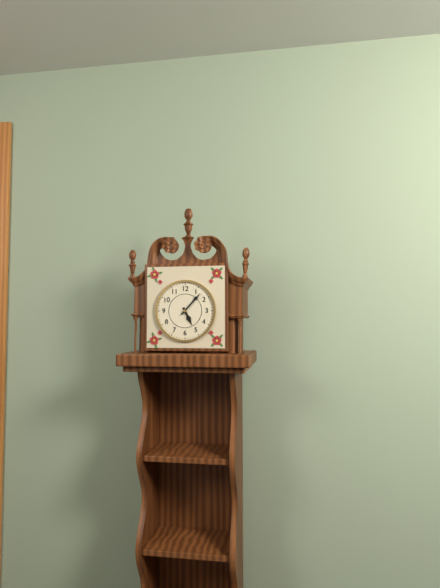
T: 5:07
